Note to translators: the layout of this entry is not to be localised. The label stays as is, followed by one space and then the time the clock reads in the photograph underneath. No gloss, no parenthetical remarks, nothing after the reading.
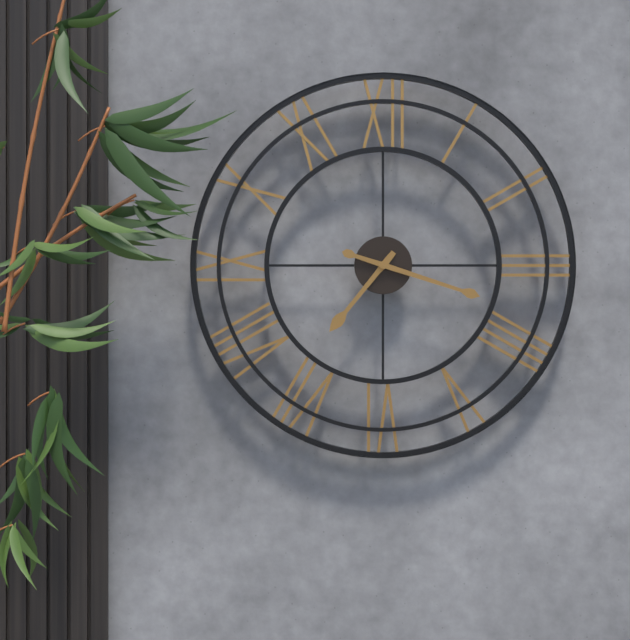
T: 7:18
